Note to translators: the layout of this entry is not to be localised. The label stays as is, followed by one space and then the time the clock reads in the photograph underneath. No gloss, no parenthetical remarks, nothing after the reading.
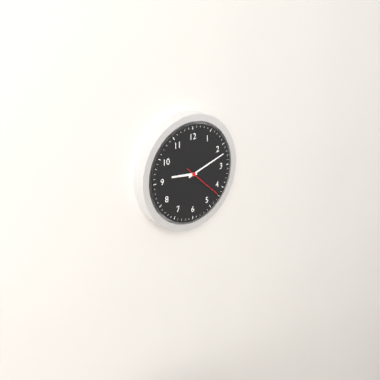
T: 9:12
